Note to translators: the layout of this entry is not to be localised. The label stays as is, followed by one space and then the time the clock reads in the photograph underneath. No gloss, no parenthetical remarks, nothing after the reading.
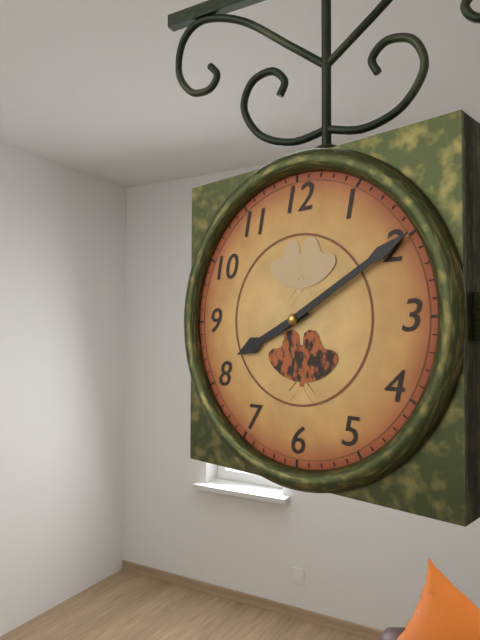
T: 8:10
